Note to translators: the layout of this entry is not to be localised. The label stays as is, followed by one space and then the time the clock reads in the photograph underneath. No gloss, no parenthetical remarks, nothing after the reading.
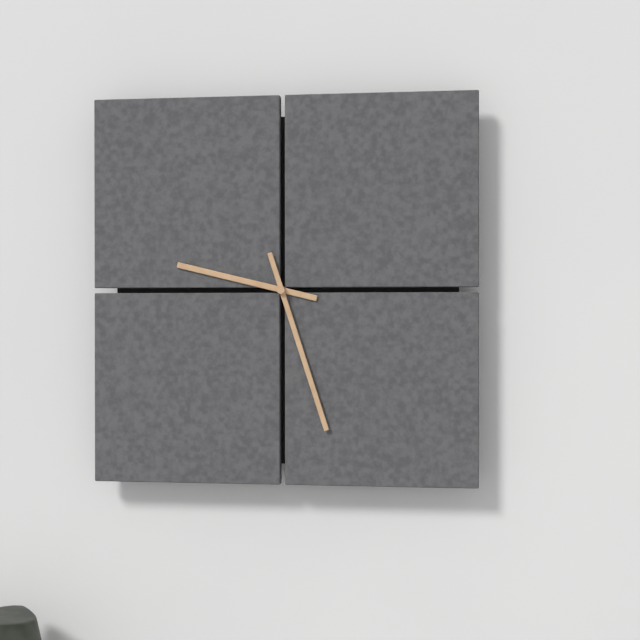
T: 9:27
